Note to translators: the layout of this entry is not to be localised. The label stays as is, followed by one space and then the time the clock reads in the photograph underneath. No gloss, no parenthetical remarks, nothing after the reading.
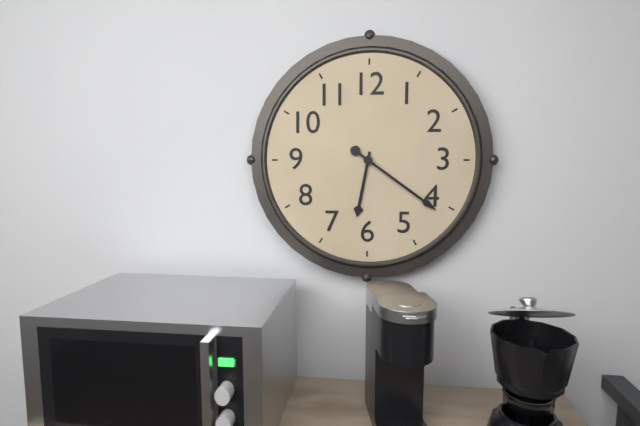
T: 6:21
